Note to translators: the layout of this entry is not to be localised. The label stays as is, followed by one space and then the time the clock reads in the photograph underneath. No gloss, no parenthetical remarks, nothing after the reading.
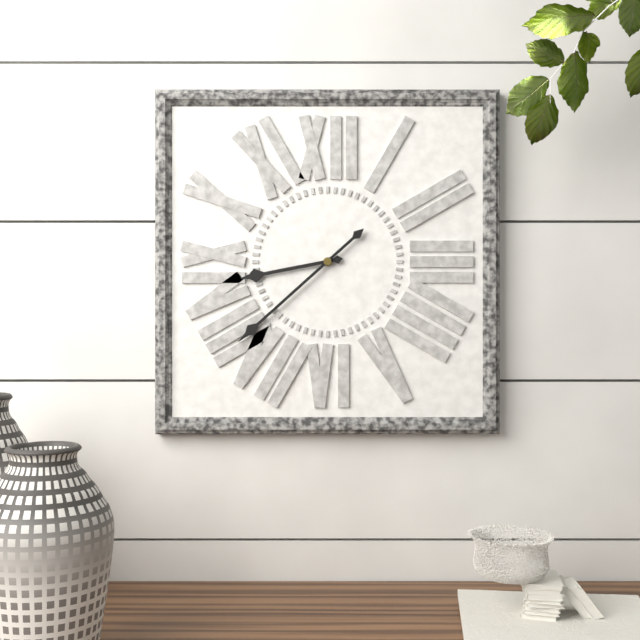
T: 8:38
